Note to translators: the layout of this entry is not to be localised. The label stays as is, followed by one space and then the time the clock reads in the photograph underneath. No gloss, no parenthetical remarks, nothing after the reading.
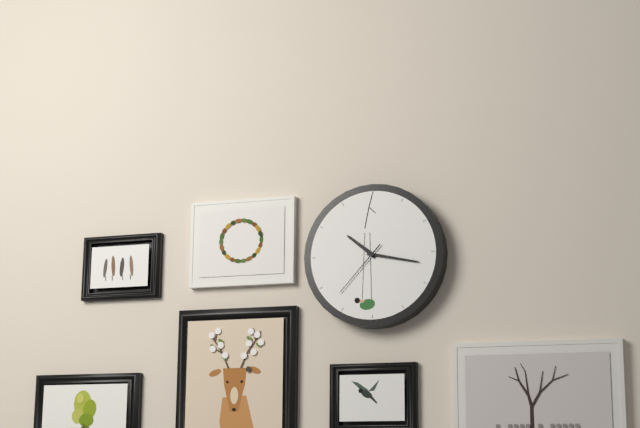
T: 10:17:37
